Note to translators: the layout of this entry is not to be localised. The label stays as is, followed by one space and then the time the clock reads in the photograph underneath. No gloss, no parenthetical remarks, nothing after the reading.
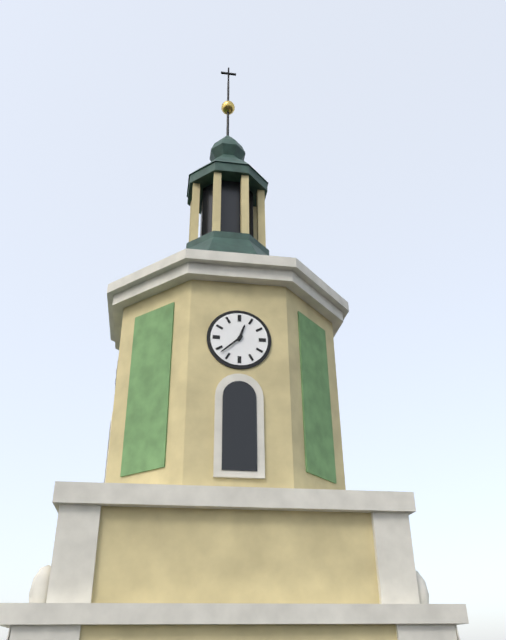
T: 12:38
